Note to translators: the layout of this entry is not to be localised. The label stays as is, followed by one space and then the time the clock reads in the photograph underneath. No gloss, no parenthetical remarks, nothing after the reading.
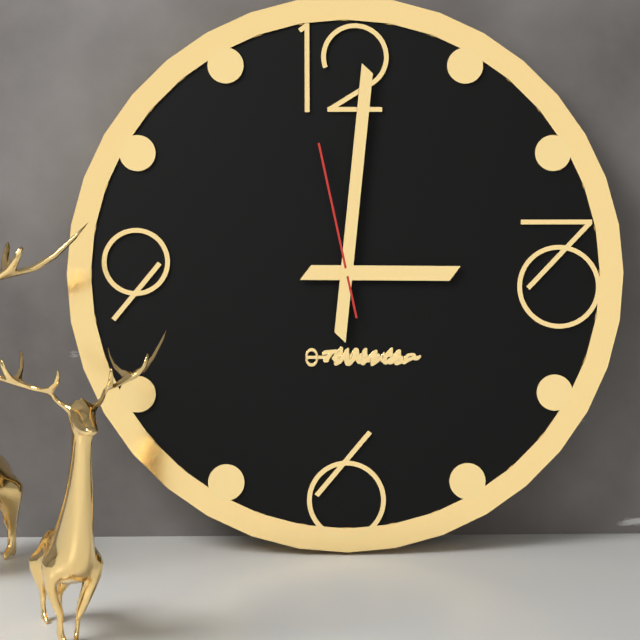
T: 3:01:58
